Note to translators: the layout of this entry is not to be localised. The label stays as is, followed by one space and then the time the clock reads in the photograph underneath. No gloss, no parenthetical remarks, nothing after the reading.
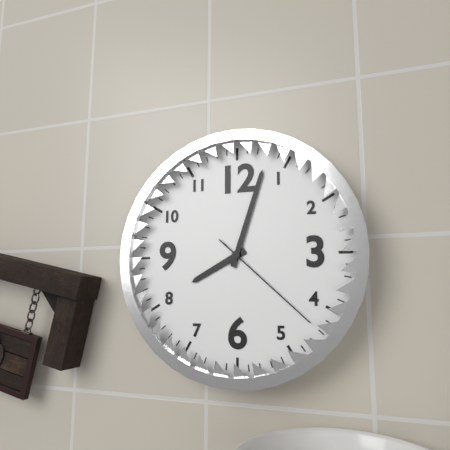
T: 8:03:22
